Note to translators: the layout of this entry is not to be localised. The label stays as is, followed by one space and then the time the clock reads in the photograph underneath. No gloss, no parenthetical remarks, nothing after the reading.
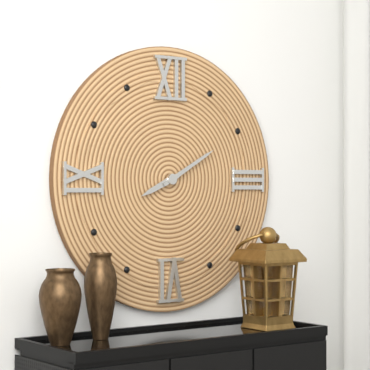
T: 8:10
